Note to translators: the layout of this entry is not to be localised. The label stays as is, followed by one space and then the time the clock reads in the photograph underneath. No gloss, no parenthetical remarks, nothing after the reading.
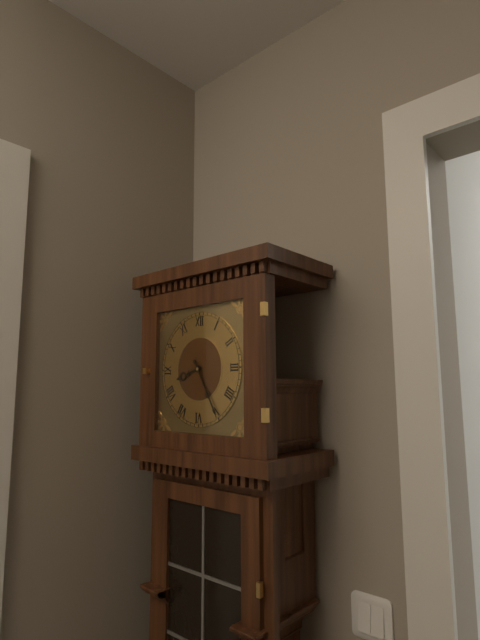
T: 8:25
